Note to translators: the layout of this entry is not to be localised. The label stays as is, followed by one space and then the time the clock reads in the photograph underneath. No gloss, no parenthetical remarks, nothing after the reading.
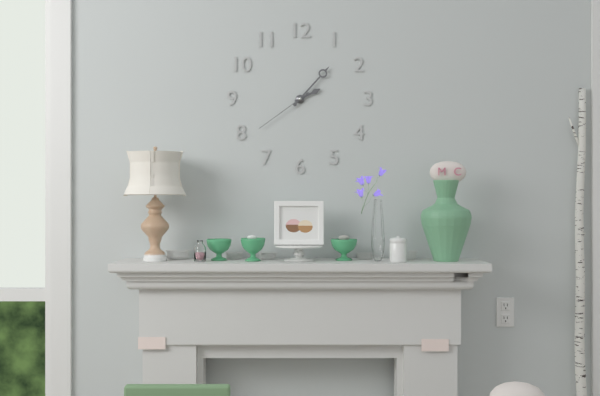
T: 2:07:39
